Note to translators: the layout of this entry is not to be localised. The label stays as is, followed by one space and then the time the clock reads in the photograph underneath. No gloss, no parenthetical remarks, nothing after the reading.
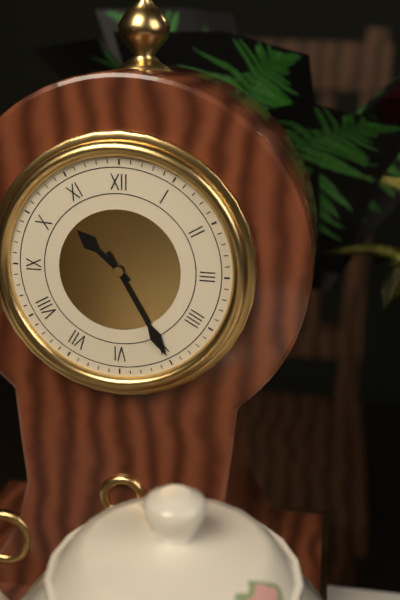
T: 10:25
